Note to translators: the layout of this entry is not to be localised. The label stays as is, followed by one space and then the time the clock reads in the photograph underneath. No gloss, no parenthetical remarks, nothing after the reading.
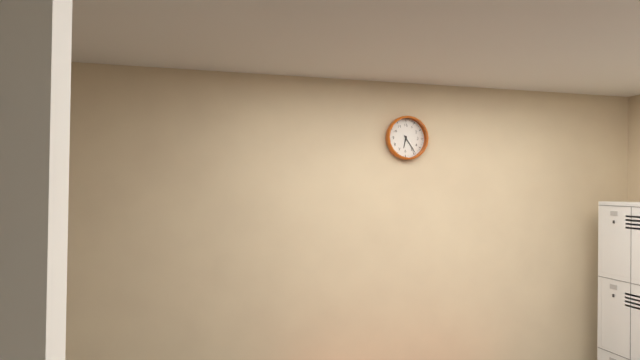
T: 6:24
